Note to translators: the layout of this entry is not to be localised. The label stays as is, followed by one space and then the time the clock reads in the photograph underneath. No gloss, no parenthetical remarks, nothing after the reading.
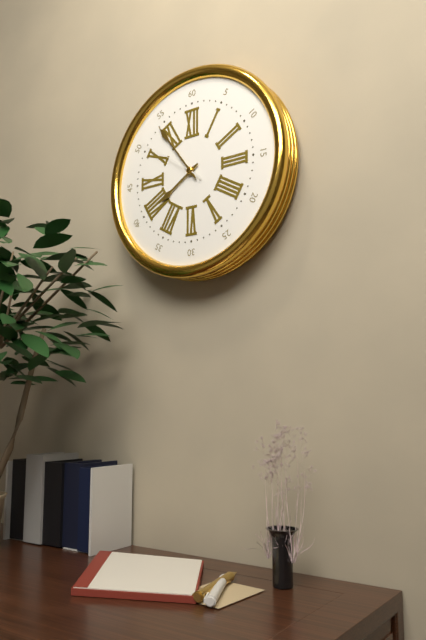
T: 7:54:51
